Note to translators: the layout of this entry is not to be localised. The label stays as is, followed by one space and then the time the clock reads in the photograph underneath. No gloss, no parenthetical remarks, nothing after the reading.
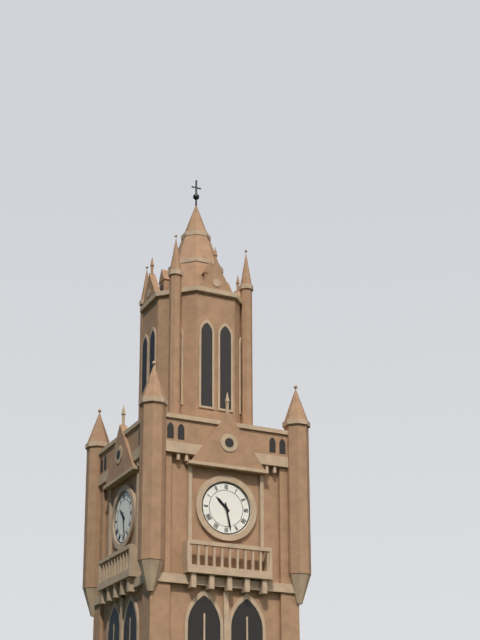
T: 10:28
